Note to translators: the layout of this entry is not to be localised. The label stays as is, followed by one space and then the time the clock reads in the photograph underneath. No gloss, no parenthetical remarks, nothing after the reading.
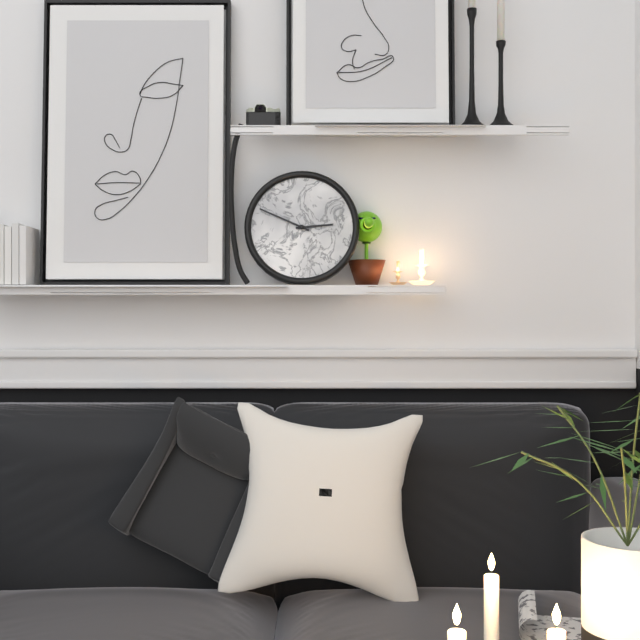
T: 2:49
